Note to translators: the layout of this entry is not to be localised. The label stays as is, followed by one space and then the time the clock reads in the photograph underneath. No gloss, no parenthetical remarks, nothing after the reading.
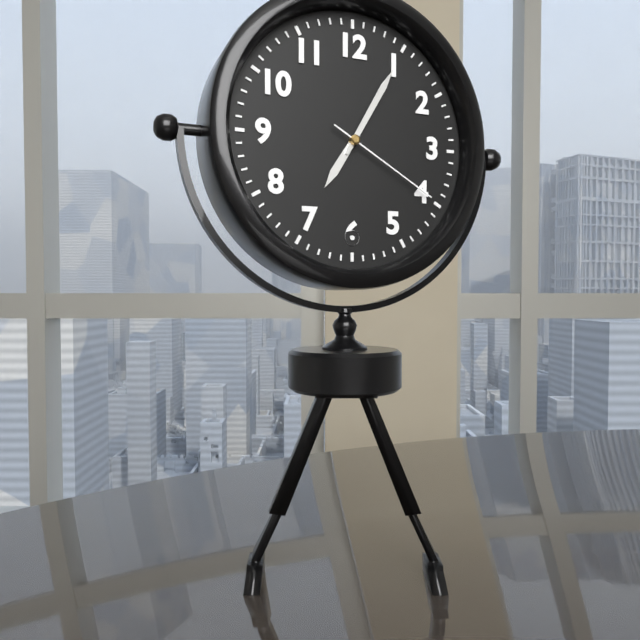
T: 7:05:20
